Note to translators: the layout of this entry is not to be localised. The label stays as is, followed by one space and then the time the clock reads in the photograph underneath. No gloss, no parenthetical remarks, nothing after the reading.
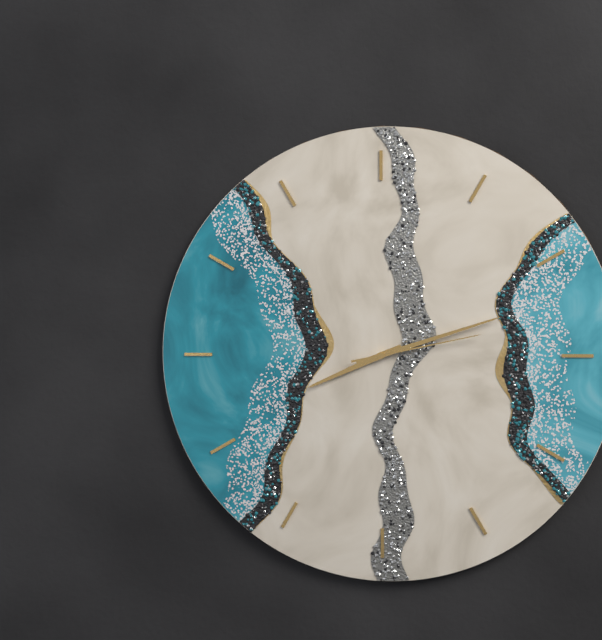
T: 8:12:13
